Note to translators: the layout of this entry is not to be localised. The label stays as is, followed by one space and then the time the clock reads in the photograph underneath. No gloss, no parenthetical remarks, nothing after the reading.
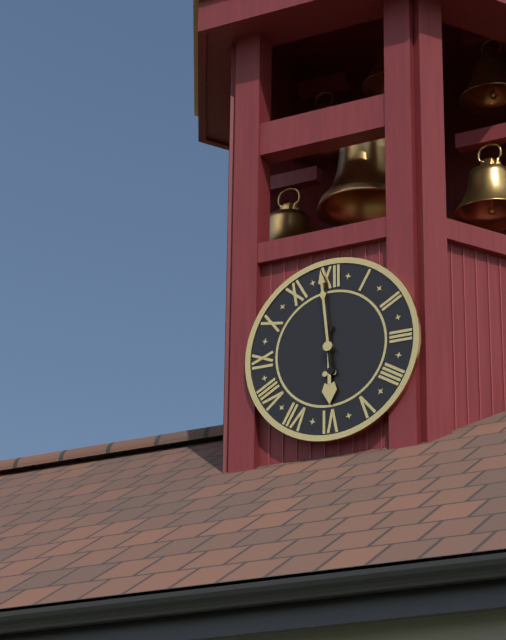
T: 5:59
